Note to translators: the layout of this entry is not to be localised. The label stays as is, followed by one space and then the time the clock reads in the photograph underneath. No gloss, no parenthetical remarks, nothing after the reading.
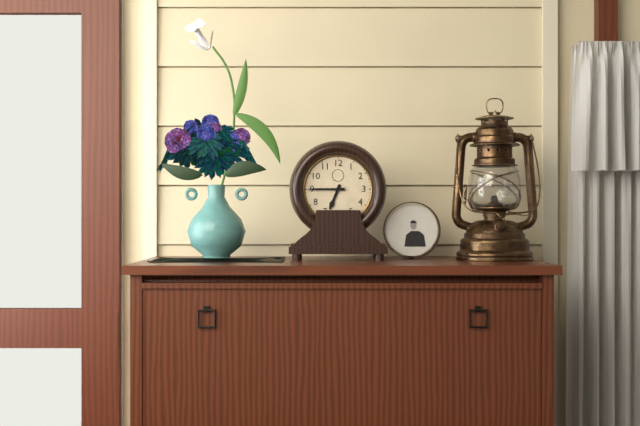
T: 6:45
